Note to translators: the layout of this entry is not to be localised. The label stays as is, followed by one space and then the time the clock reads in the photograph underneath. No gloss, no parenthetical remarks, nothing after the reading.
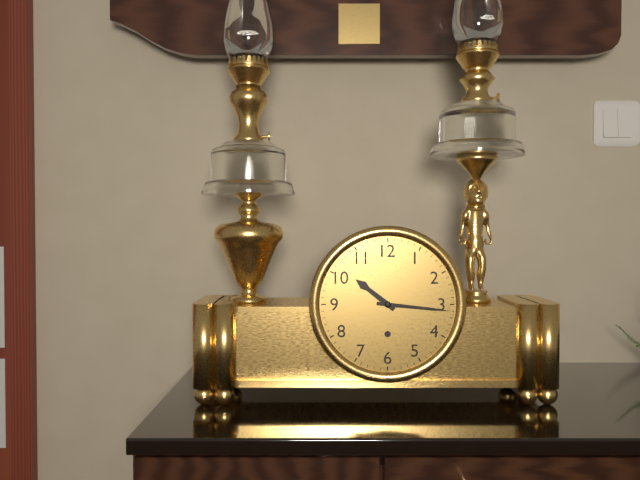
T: 10:16
